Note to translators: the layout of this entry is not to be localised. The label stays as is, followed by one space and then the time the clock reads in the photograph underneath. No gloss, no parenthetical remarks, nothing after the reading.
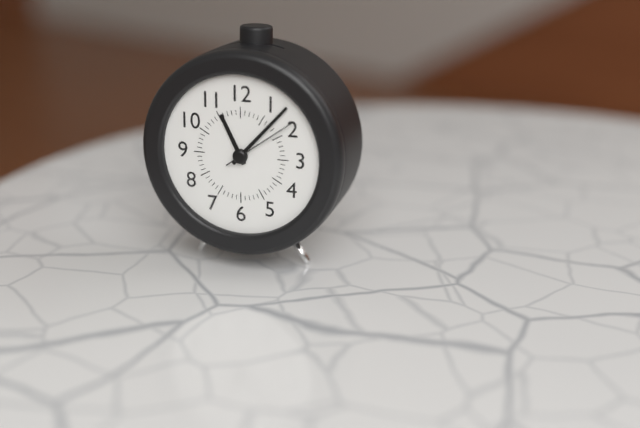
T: 11:07:09
